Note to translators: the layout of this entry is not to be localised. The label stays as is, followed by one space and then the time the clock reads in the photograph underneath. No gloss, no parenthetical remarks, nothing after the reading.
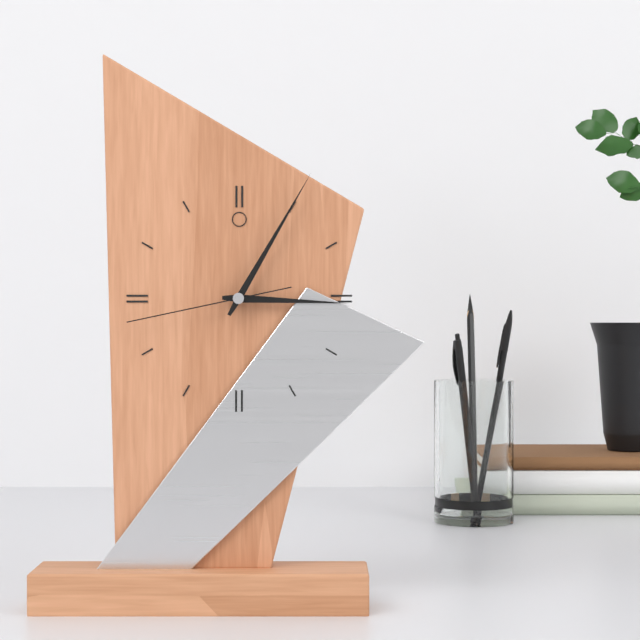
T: 3:05:43
